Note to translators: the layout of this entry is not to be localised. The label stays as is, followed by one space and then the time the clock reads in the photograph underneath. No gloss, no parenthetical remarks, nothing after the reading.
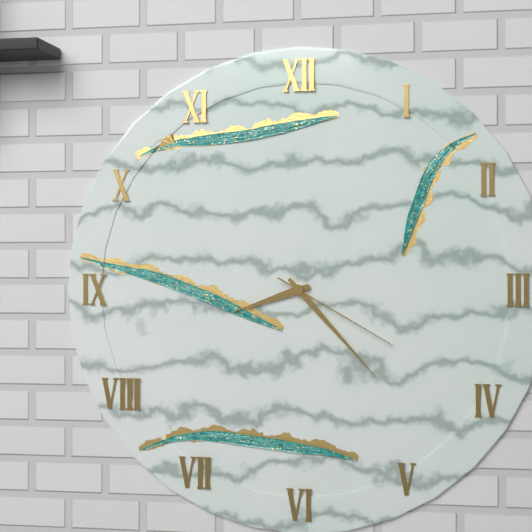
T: 8:23:20
